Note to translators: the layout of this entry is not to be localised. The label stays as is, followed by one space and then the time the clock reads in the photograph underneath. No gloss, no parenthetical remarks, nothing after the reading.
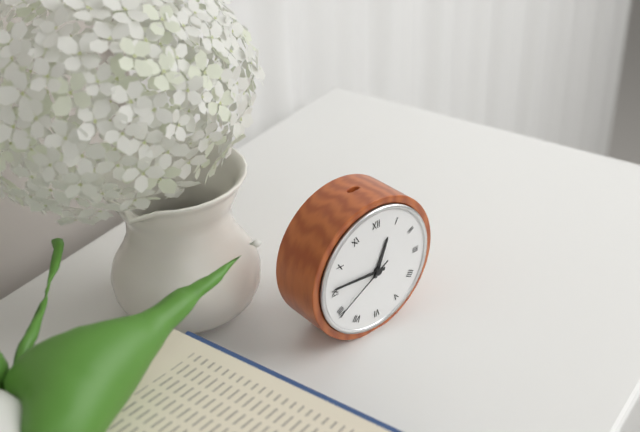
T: 12:46:40
